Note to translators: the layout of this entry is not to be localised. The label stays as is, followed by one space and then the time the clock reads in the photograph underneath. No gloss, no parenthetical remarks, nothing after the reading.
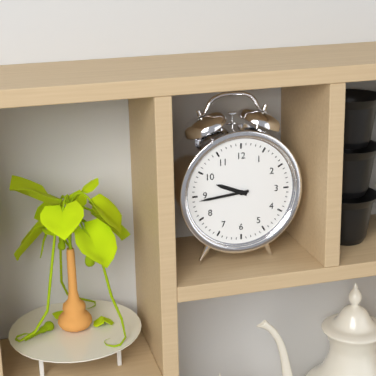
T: 9:44
